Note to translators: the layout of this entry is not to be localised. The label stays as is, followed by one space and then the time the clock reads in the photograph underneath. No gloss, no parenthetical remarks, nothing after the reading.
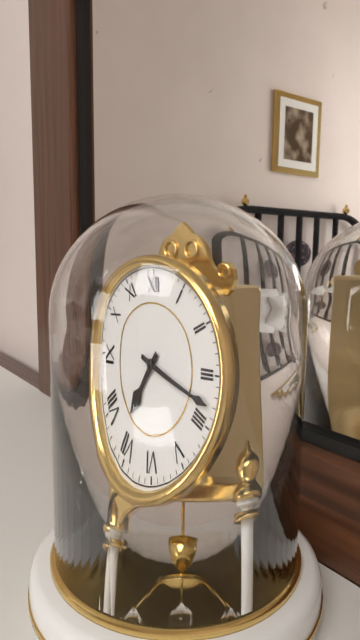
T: 7:18
